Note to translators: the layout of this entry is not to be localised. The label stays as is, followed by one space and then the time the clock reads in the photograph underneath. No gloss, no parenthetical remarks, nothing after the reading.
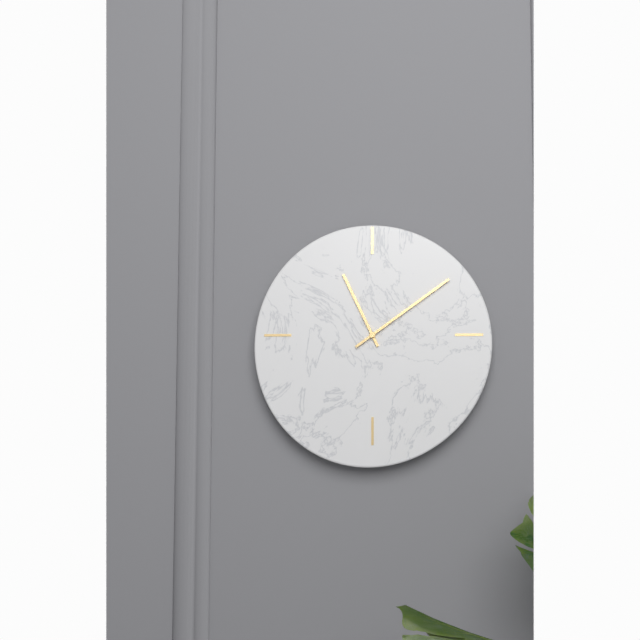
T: 11:09
